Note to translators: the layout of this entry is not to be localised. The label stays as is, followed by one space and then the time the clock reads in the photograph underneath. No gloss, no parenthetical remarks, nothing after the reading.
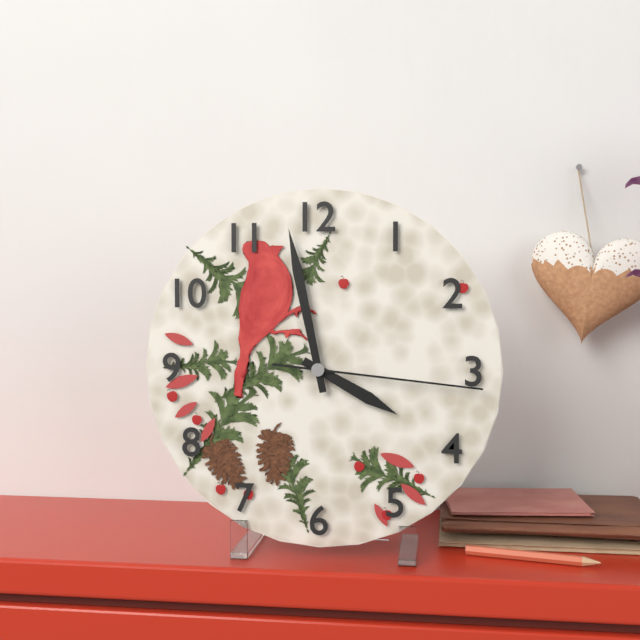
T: 3:58:16
